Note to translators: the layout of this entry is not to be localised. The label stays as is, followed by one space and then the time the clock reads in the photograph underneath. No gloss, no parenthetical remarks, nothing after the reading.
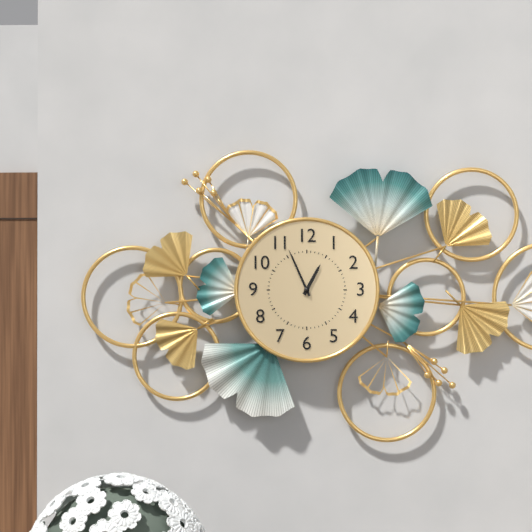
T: 12:56
